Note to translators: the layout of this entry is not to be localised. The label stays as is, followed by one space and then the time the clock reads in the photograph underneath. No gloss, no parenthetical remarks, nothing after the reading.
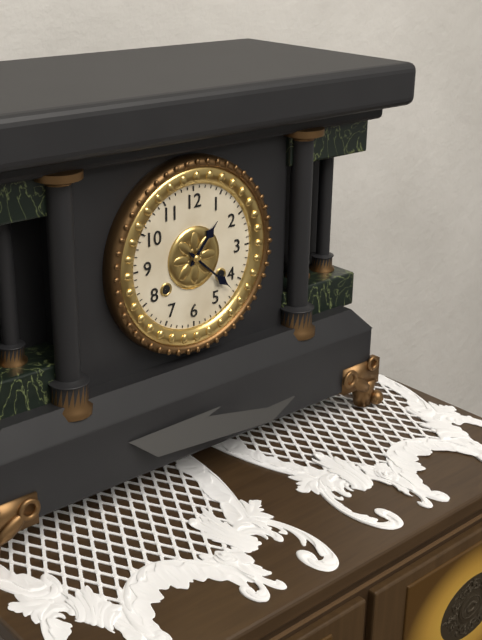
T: 1:22
